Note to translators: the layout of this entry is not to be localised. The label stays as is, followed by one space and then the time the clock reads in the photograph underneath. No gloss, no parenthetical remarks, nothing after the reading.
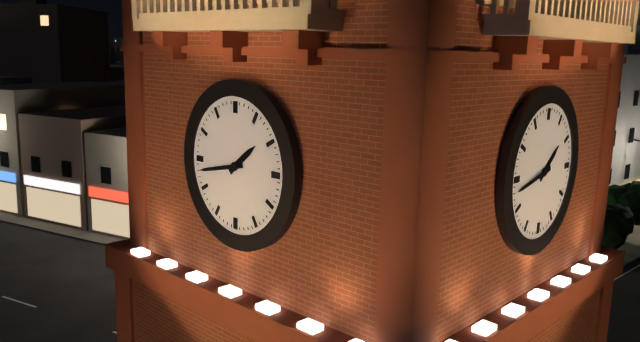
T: 1:43
